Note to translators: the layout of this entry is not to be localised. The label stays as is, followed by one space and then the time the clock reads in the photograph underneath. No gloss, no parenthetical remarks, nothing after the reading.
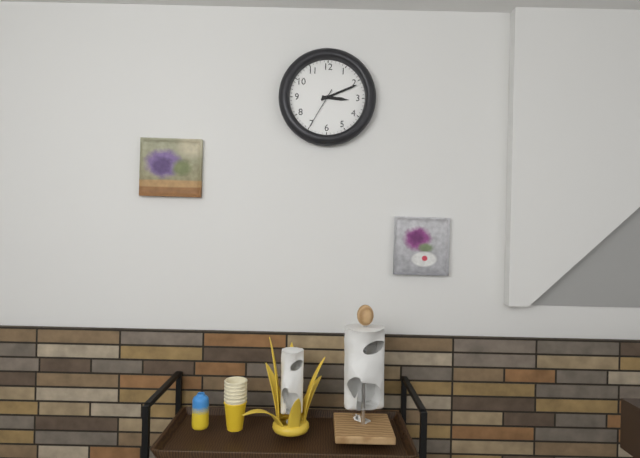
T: 3:11
